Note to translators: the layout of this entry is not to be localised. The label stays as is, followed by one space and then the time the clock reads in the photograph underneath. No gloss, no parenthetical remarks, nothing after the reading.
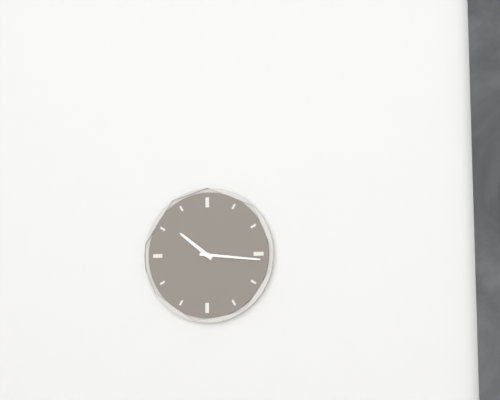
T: 10:16
